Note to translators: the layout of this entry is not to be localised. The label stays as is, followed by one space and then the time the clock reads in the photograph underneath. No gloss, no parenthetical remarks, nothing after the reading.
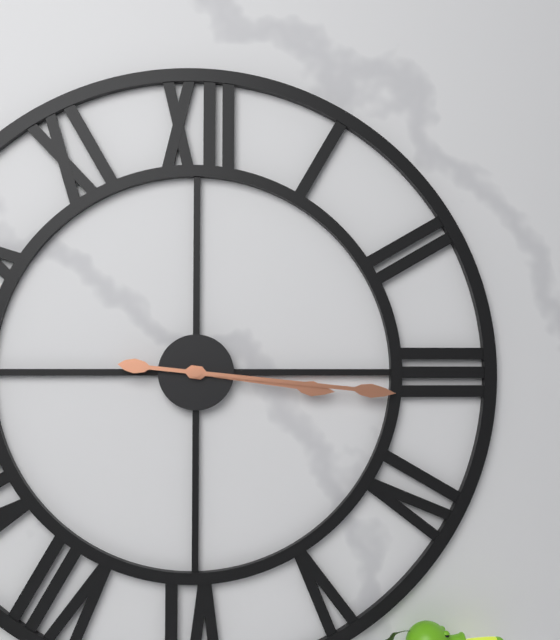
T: 3:16
